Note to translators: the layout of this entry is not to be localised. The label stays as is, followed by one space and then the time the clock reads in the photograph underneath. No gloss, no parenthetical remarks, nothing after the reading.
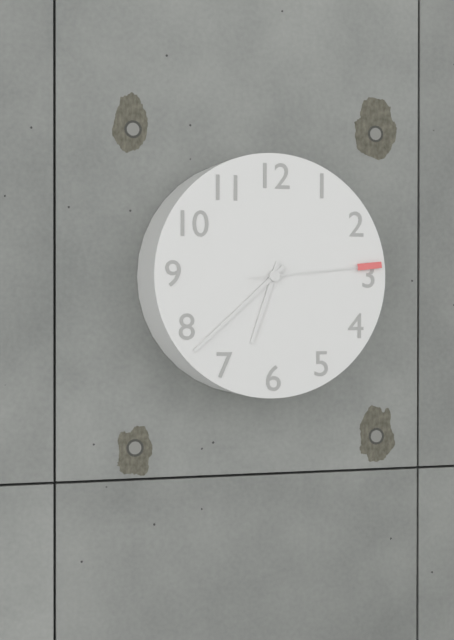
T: 6:38:14
